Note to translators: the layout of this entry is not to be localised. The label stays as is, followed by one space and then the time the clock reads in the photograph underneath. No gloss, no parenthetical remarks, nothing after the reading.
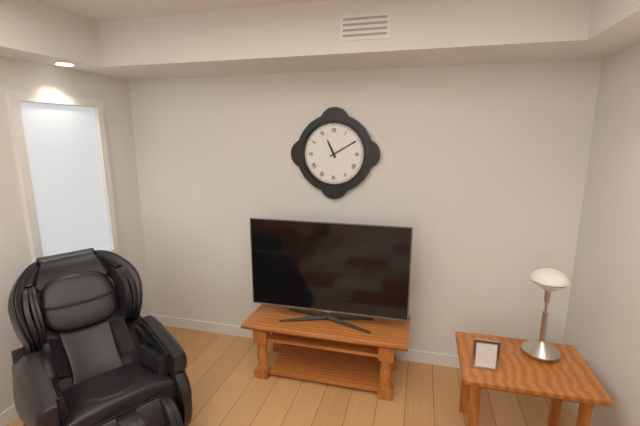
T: 11:10
